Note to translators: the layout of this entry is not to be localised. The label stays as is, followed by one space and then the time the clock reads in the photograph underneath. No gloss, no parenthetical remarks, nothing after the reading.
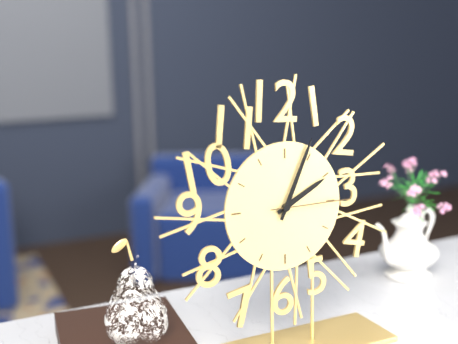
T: 2:04:15
